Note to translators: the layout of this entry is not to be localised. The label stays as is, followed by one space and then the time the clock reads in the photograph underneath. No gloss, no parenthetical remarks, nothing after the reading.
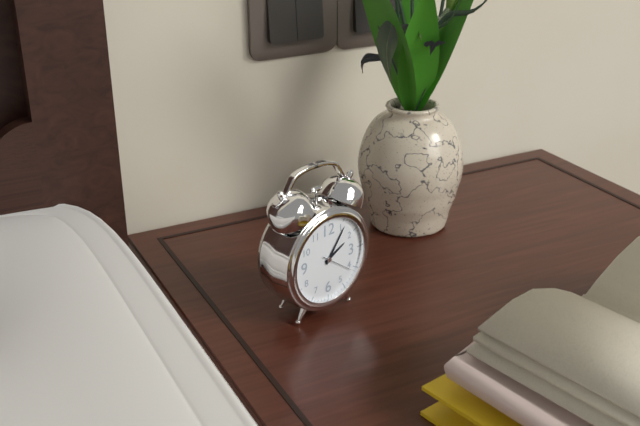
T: 2:06
